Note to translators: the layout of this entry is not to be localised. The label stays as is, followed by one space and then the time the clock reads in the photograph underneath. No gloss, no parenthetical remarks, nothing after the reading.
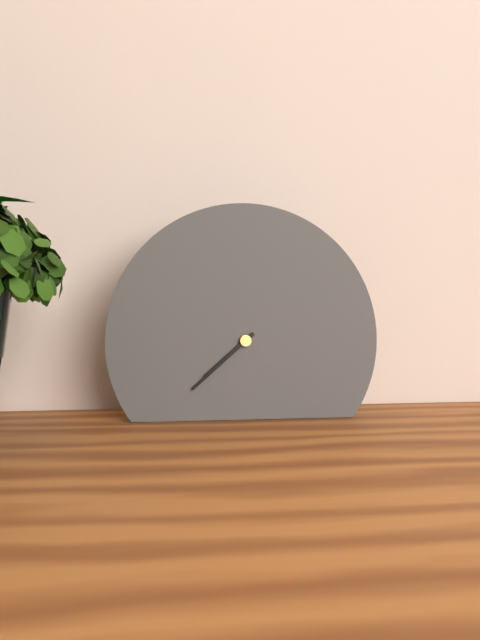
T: 7:38
